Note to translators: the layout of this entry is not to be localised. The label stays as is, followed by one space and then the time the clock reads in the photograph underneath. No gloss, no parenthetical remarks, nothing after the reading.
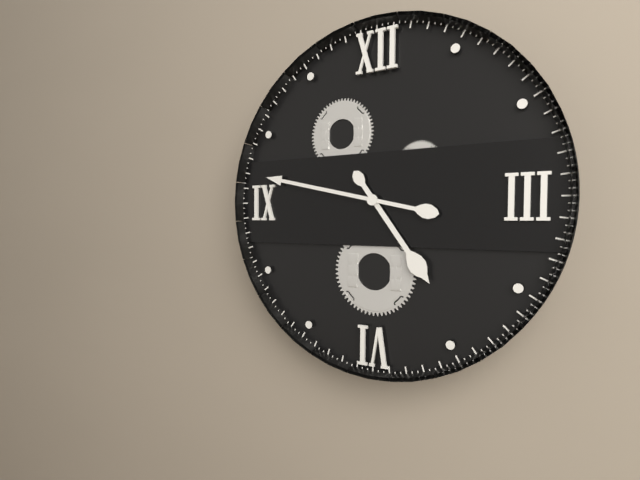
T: 4:47
